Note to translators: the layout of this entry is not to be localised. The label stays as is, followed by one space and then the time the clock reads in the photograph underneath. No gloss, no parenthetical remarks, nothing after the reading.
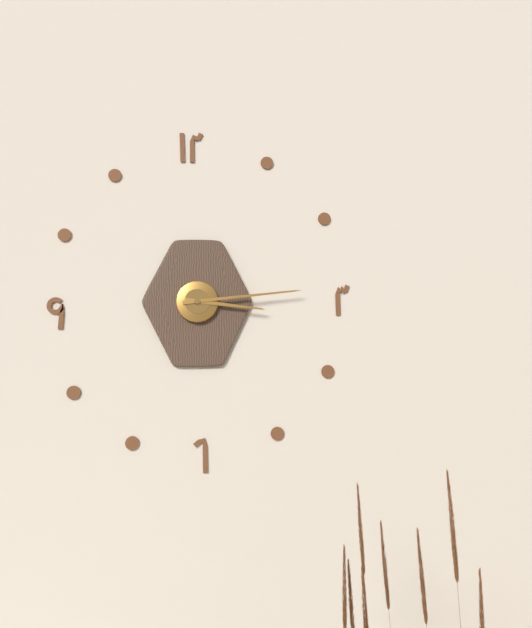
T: 3:14
